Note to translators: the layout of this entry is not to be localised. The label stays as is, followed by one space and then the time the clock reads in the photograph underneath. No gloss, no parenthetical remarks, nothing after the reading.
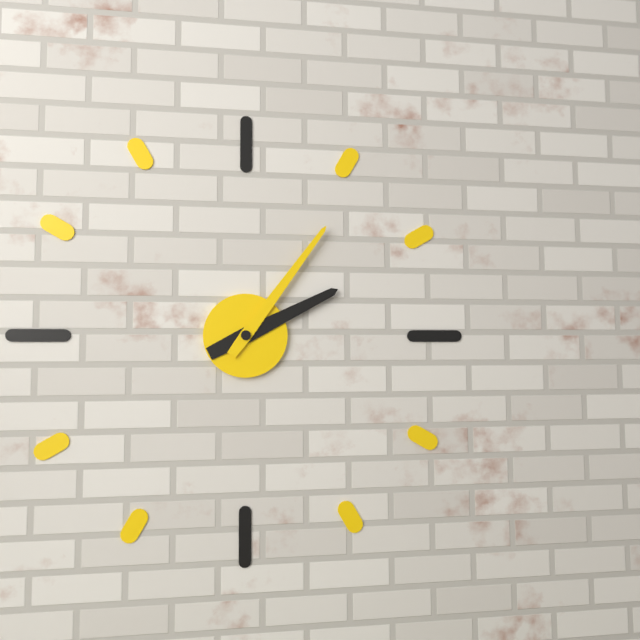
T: 2:06
